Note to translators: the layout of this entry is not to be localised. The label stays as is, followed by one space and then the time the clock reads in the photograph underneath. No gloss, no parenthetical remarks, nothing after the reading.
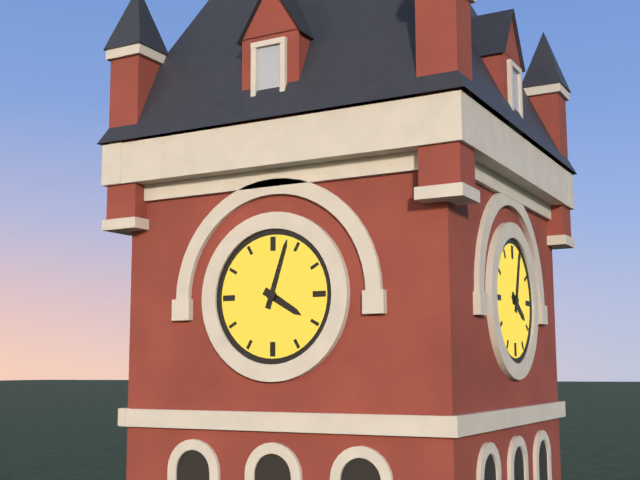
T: 4:03
